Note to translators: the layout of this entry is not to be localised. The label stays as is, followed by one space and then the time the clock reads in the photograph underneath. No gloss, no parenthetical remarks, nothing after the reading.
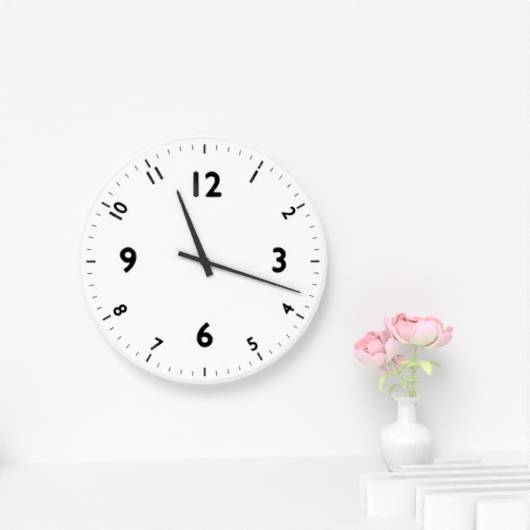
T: 11:18
